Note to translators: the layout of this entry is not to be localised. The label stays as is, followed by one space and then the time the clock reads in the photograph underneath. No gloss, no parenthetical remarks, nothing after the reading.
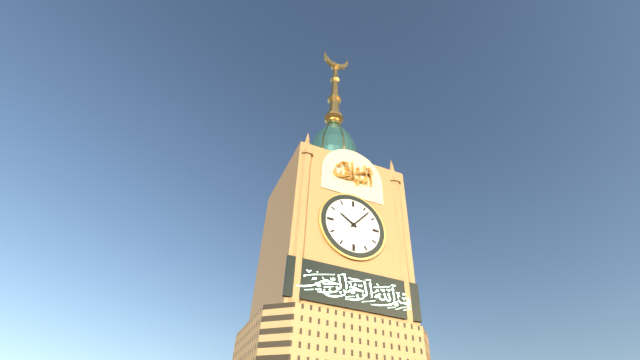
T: 10:07
